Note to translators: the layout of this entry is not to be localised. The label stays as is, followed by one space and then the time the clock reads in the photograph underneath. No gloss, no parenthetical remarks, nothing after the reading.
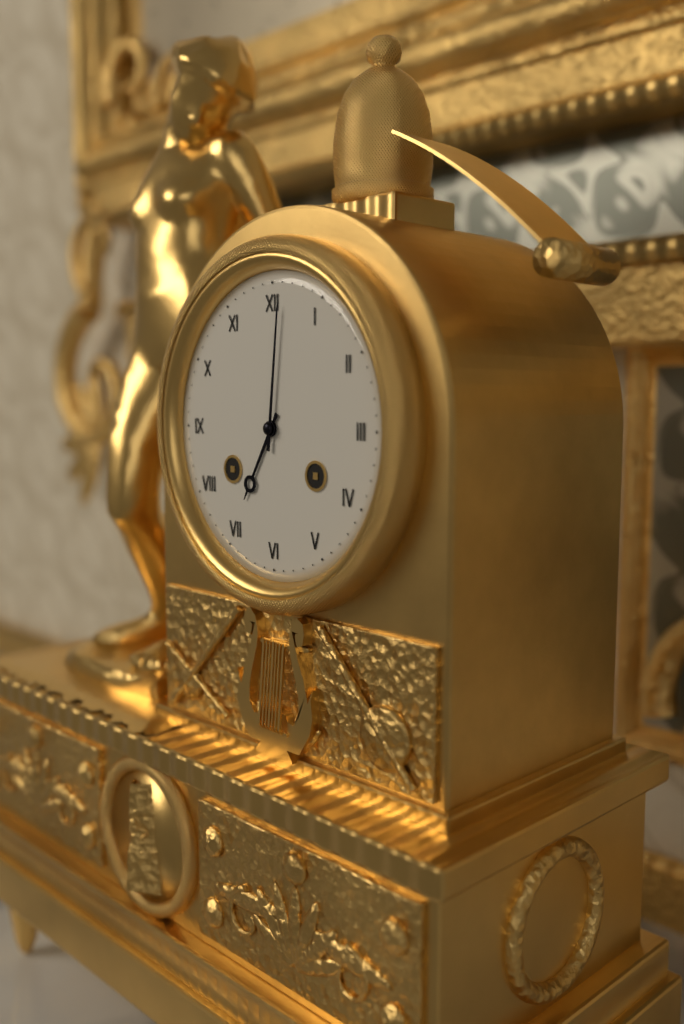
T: 7:01
